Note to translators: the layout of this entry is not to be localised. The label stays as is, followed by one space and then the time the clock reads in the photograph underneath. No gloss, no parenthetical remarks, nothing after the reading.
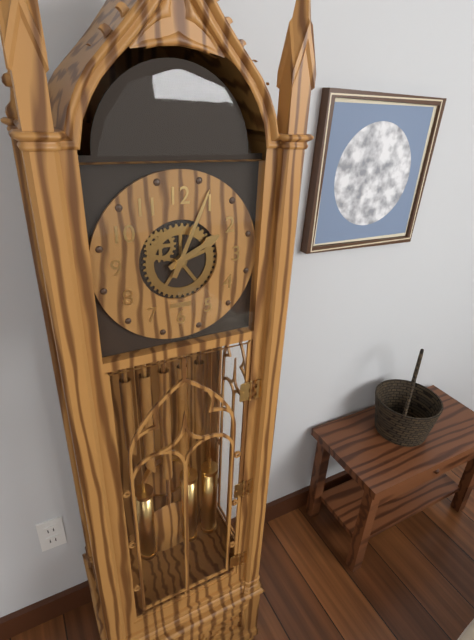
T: 2:04
